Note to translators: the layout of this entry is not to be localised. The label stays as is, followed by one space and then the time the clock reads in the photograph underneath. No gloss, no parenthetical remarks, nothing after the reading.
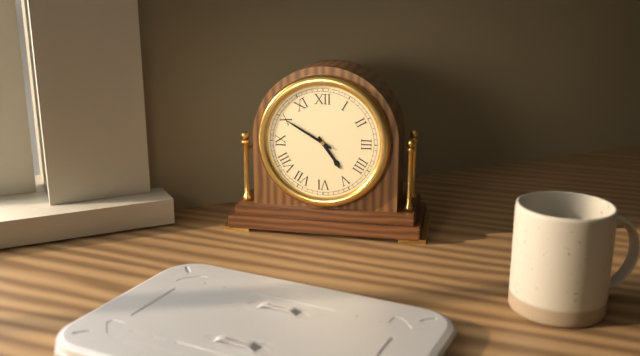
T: 4:50
